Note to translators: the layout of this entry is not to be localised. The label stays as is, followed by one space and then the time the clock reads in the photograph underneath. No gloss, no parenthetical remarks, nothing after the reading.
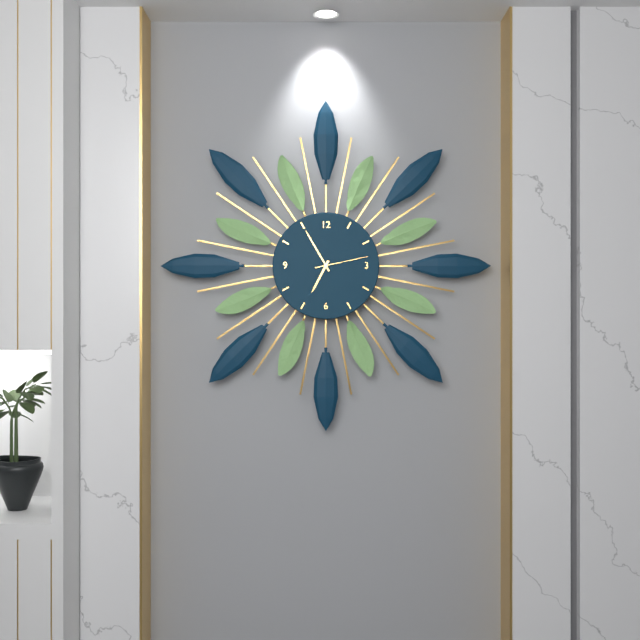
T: 6:55:13
